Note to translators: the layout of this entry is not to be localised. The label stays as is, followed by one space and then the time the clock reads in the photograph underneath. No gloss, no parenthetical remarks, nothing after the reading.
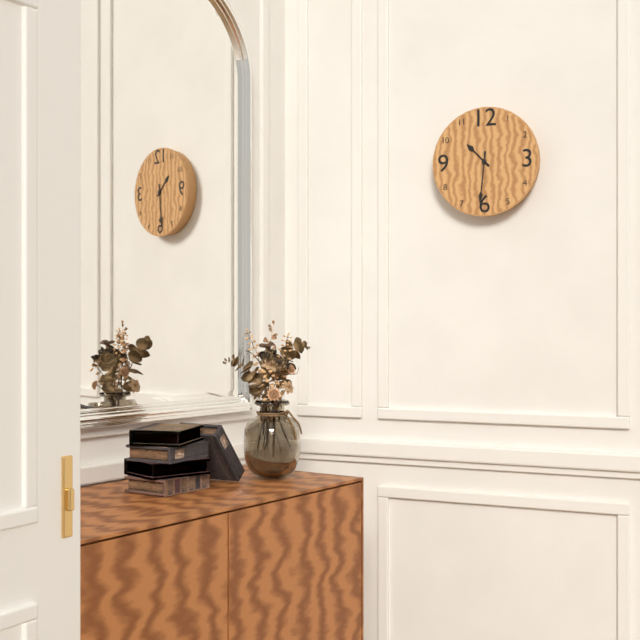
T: 10:31
